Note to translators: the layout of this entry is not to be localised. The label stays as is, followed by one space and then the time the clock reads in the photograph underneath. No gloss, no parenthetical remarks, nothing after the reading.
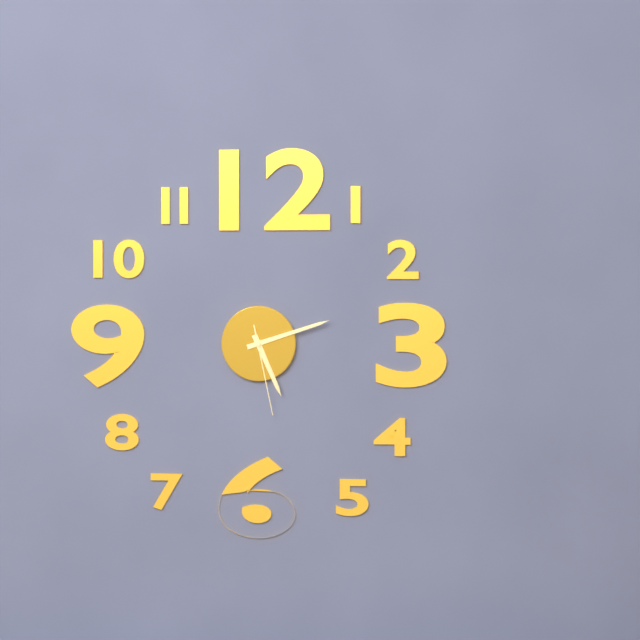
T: 5:12:28
